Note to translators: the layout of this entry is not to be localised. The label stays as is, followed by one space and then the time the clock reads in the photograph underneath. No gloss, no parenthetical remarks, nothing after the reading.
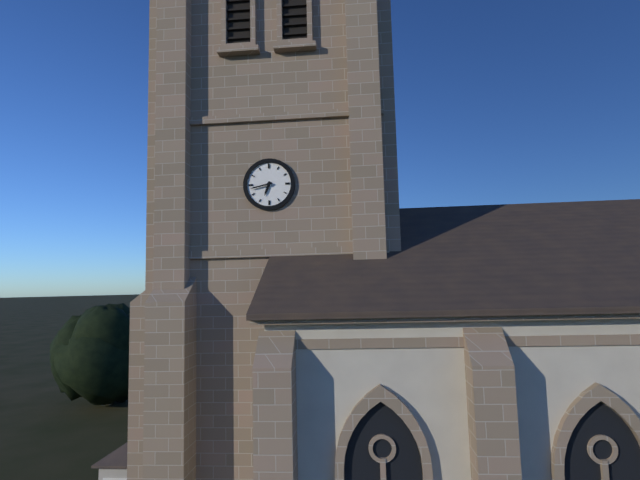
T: 6:43
